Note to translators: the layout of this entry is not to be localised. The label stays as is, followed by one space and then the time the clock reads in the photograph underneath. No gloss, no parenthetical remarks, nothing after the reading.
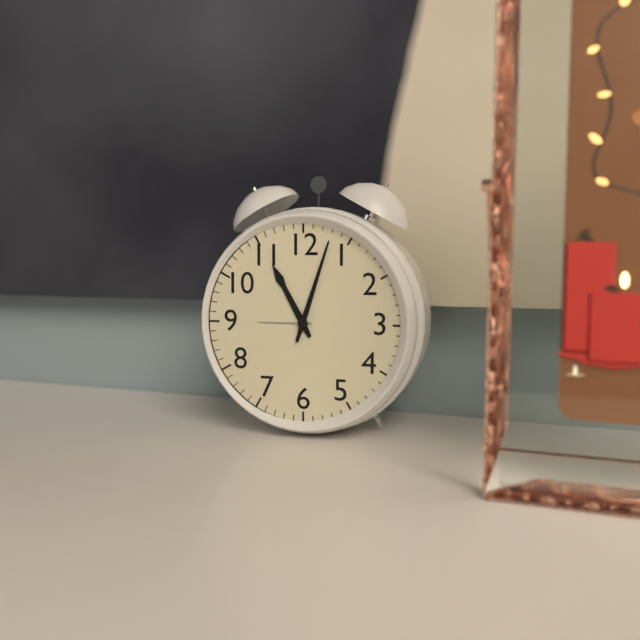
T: 11:03
